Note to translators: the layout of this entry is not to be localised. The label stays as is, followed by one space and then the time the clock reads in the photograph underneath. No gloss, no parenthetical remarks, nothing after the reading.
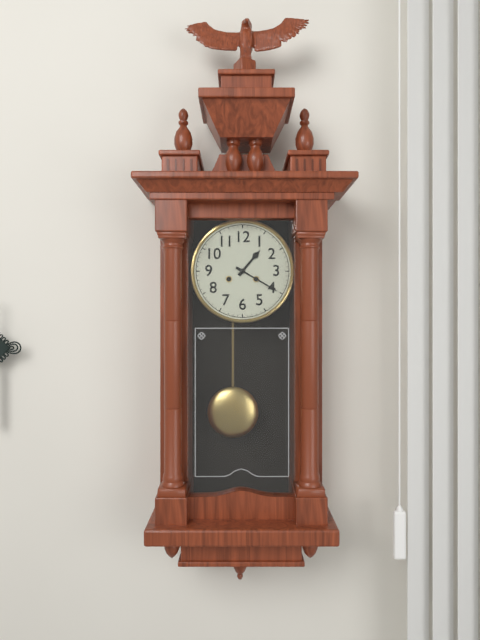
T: 1:20
